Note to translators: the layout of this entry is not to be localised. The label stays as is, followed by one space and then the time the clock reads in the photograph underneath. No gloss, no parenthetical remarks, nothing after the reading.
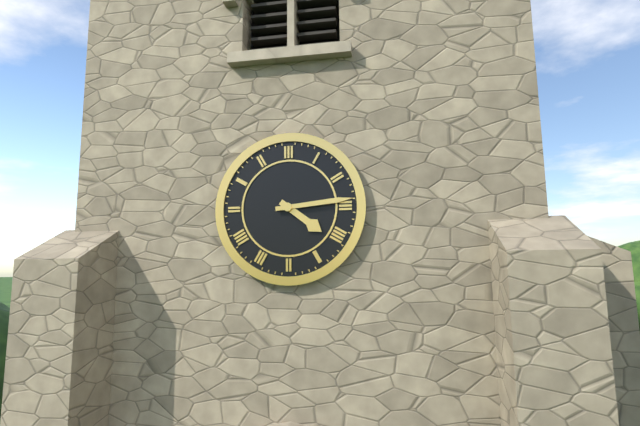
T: 4:14
